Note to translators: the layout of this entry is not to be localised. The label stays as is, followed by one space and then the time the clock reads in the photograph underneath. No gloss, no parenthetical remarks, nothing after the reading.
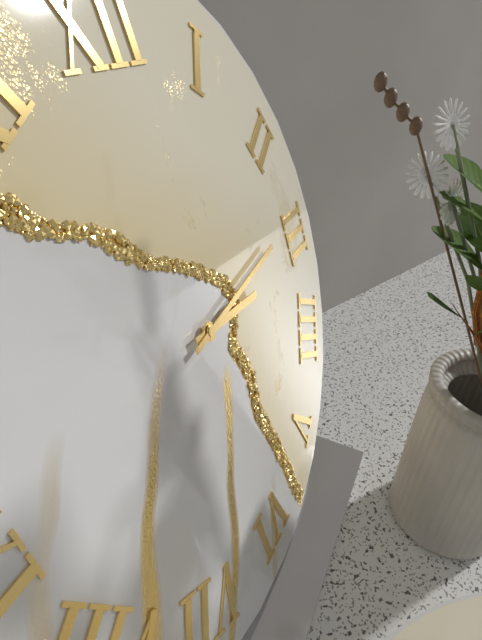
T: 3:14
